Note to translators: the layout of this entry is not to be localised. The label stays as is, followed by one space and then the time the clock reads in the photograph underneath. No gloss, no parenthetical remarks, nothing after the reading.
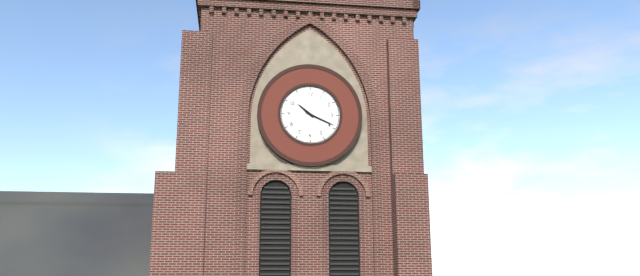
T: 10:19
